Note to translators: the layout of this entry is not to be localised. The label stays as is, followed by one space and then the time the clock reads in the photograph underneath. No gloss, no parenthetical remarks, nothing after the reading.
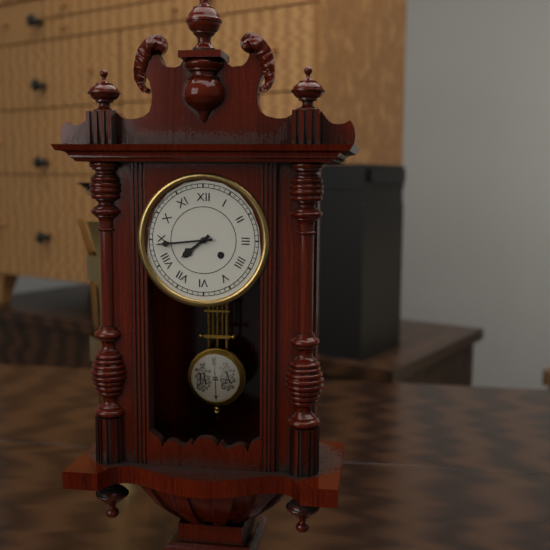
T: 7:44
